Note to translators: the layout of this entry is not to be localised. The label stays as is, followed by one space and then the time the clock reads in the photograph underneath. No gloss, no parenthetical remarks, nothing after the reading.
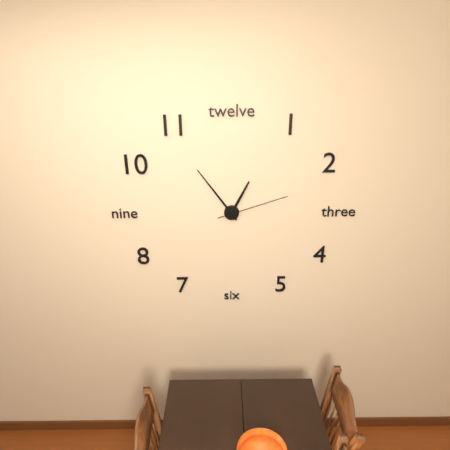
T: 12:54:12
